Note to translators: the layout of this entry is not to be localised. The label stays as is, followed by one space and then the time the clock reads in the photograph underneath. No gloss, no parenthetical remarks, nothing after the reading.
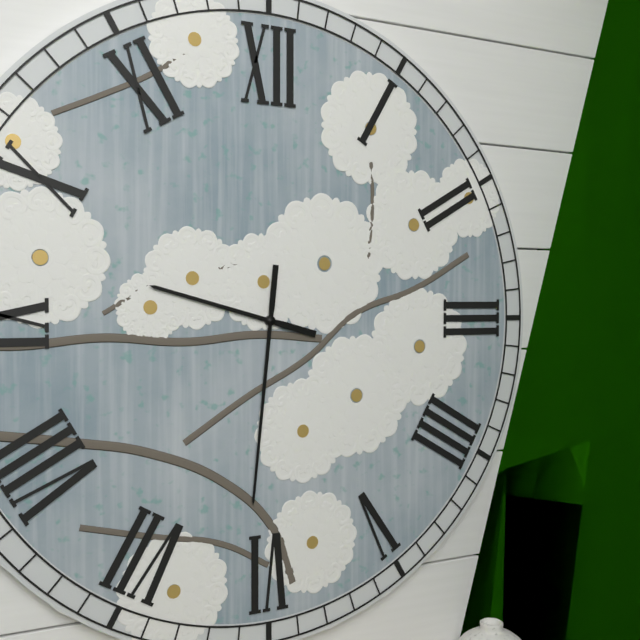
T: 9:31
